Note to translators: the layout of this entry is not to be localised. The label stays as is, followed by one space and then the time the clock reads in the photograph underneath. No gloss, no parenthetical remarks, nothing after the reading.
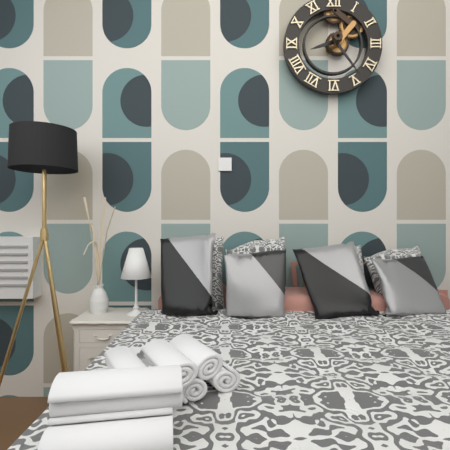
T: 8:24
